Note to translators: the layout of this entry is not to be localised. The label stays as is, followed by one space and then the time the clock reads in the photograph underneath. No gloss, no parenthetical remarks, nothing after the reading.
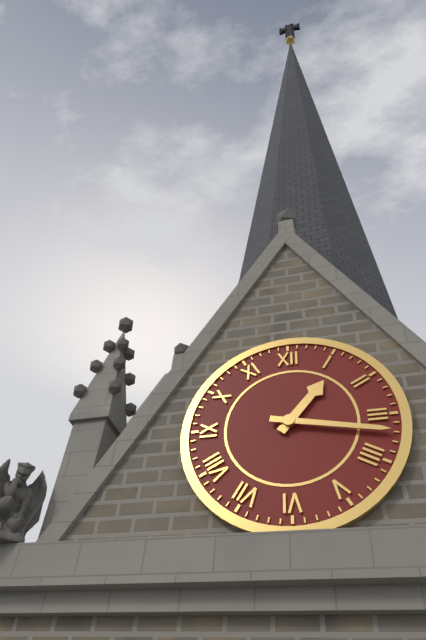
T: 1:17
